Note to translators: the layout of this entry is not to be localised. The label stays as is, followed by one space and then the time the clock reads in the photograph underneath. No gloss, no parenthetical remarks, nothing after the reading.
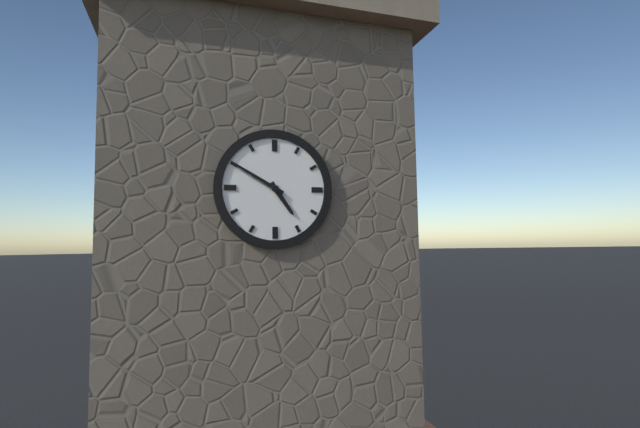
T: 4:50
